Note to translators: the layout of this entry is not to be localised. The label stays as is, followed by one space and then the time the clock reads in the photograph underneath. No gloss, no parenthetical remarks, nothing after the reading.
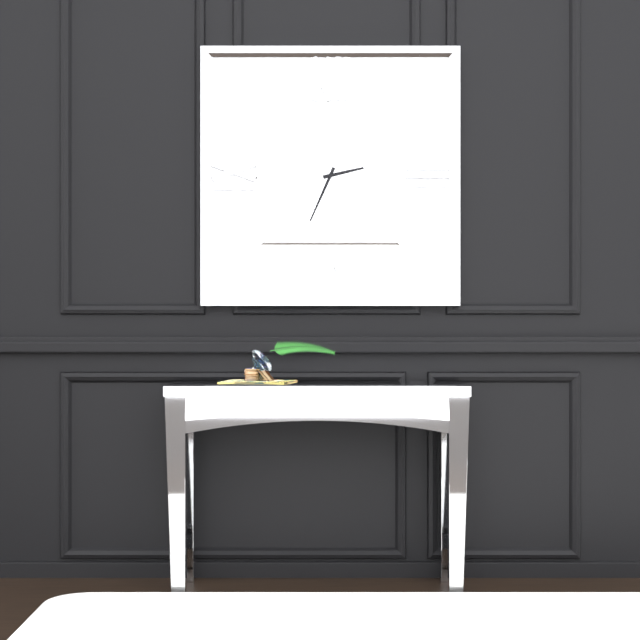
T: 2:34
